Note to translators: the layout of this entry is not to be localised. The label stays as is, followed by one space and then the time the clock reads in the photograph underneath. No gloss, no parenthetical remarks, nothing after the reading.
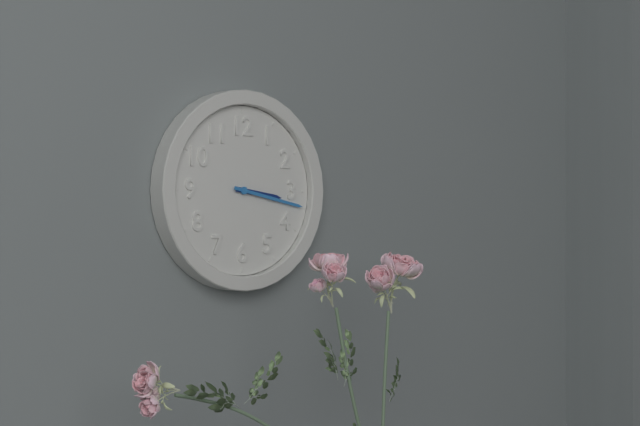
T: 3:17
